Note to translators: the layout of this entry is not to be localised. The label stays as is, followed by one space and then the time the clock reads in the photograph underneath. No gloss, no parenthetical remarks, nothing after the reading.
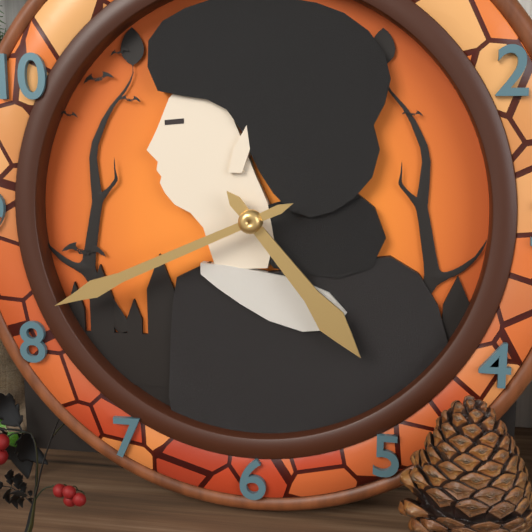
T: 4:41
